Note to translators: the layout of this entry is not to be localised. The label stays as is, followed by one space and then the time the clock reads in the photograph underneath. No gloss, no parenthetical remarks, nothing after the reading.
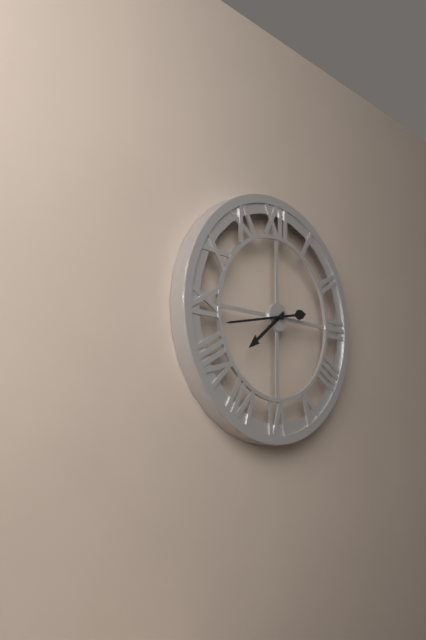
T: 7:43
